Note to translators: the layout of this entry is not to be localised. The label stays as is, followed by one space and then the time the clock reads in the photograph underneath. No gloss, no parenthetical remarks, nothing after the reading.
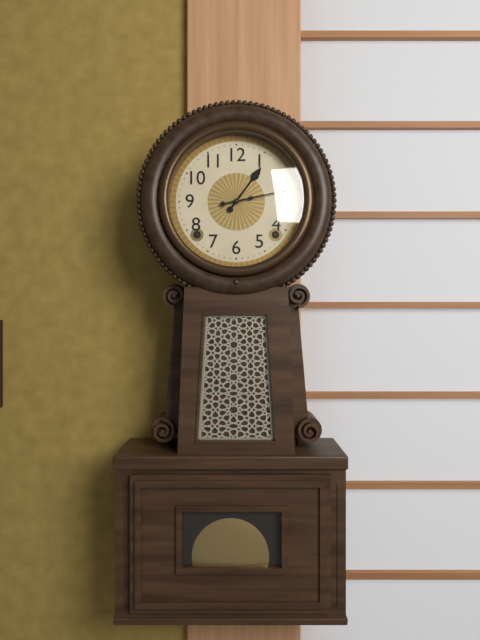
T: 1:13
